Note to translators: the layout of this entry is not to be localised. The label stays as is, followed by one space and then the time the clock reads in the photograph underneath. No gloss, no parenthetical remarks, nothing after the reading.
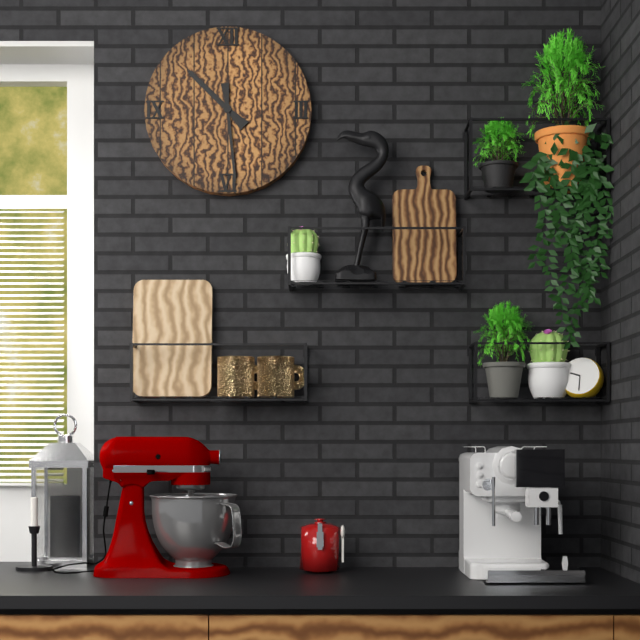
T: 10:29
